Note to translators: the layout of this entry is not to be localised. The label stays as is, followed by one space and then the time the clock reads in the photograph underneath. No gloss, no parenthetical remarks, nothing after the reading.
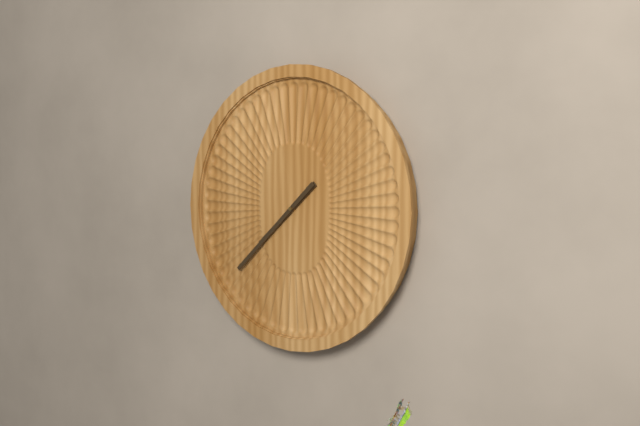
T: 7:38
